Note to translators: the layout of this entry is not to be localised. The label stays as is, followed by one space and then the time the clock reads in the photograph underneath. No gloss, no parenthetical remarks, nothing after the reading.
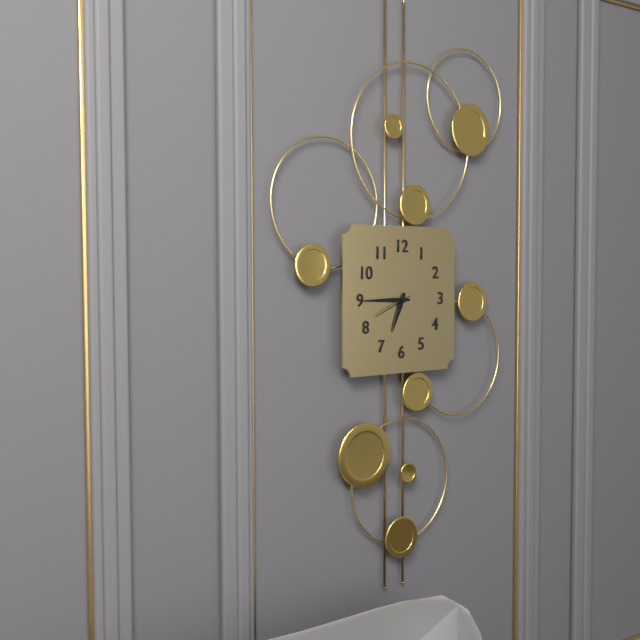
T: 6:45
